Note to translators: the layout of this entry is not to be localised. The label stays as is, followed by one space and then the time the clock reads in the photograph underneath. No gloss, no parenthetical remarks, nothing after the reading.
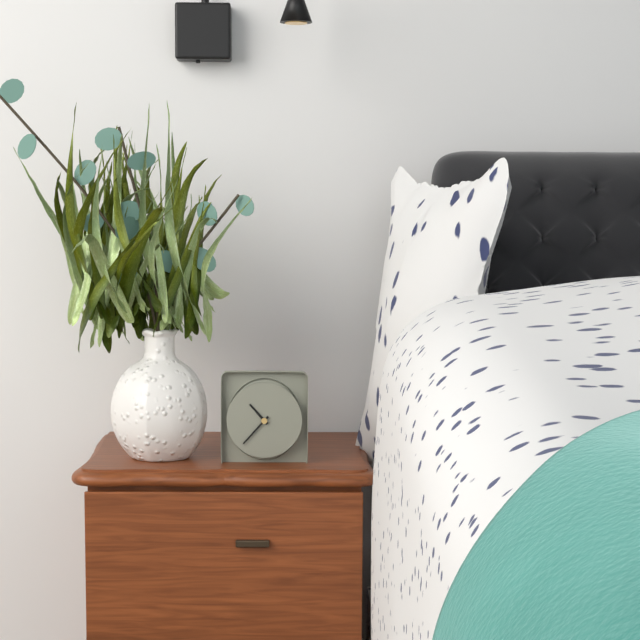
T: 10:37
